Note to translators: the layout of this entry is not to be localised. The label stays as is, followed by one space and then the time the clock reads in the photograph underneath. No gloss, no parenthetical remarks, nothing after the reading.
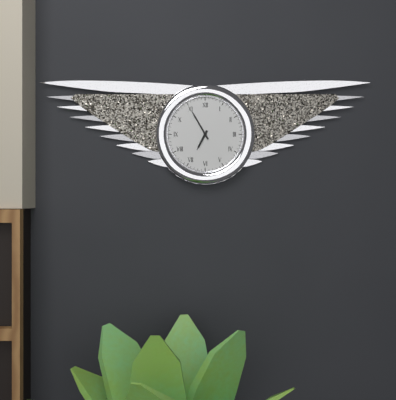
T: 6:55
